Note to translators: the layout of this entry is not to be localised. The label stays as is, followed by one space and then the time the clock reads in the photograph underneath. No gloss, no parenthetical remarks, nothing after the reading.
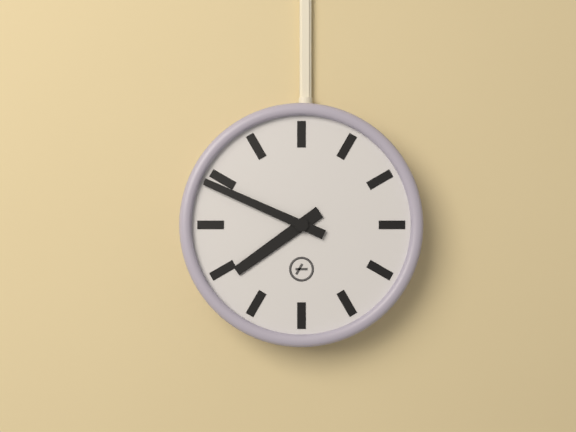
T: 7:49
